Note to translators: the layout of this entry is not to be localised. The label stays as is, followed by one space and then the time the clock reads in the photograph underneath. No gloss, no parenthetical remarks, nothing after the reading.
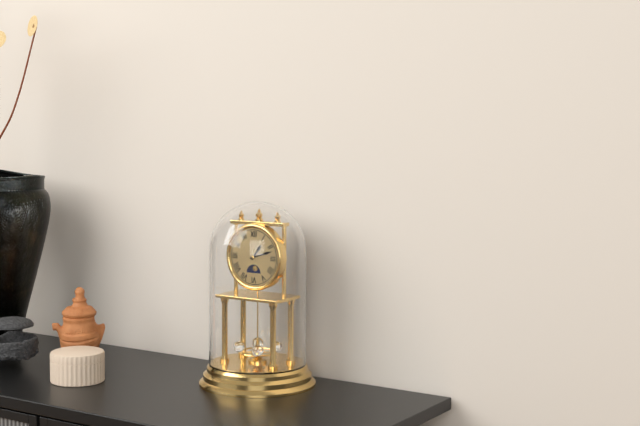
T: 1:12
